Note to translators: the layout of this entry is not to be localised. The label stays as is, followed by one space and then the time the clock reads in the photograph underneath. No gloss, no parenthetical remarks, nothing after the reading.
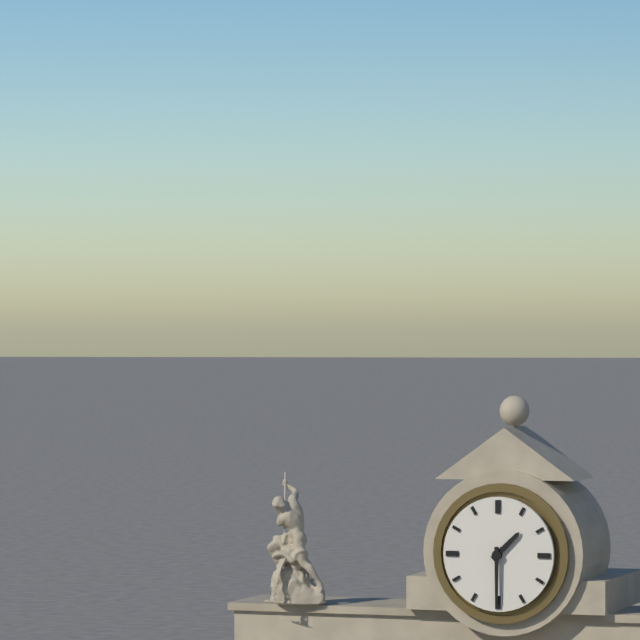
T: 1:30
